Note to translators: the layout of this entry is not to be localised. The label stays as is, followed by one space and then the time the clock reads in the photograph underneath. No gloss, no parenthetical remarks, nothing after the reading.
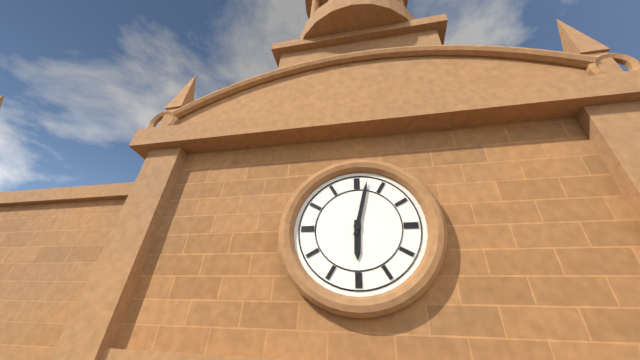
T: 6:02
